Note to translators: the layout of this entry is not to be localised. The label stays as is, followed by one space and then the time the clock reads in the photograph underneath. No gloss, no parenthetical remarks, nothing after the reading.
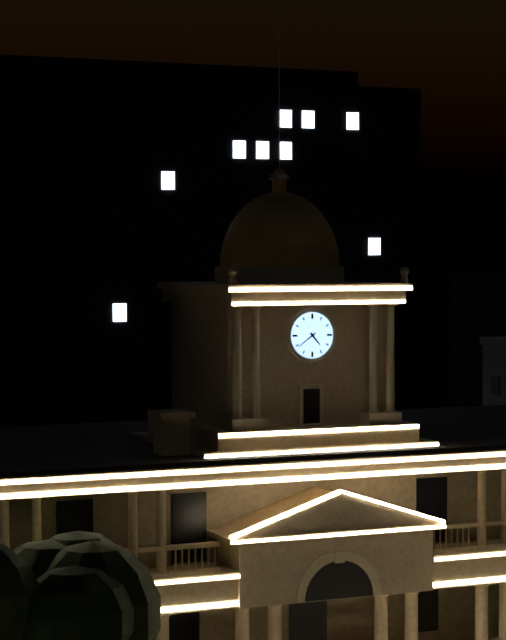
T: 4:39
